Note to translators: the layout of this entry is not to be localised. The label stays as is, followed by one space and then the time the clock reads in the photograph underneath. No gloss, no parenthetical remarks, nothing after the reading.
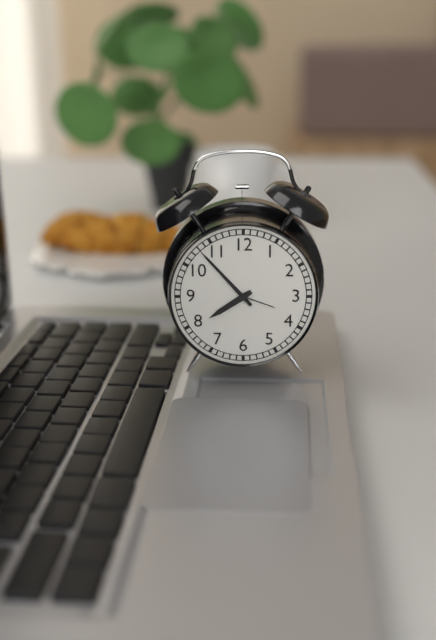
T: 7:53
